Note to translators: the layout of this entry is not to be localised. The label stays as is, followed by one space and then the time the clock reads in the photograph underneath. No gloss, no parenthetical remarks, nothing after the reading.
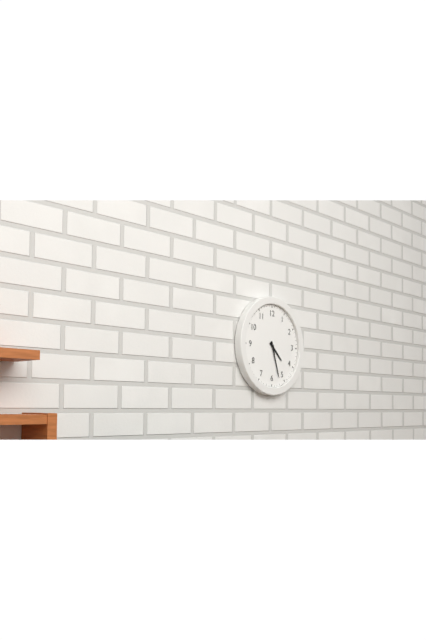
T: 4:27
